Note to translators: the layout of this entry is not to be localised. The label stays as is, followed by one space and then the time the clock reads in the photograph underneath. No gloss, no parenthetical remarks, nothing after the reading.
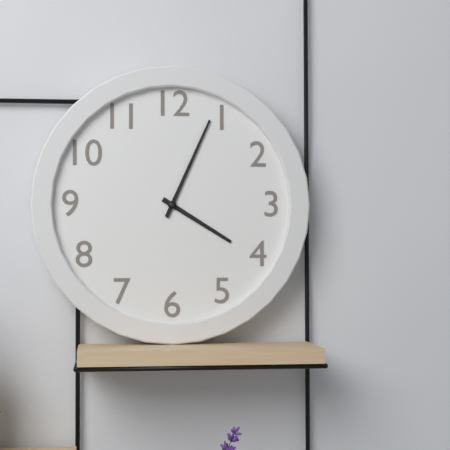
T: 4:04
